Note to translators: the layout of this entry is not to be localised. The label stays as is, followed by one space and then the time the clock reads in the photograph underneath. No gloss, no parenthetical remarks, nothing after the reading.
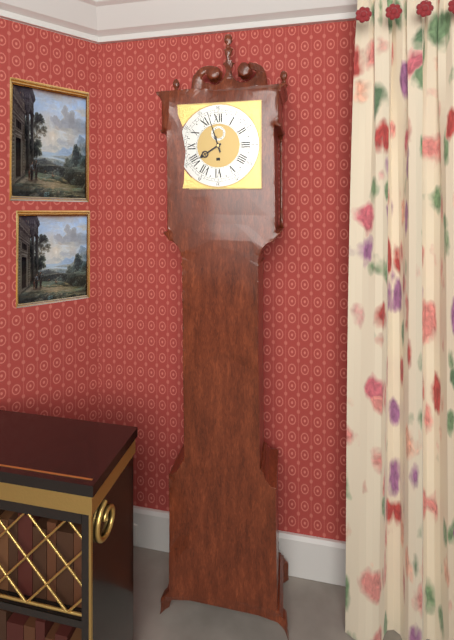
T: 7:57
